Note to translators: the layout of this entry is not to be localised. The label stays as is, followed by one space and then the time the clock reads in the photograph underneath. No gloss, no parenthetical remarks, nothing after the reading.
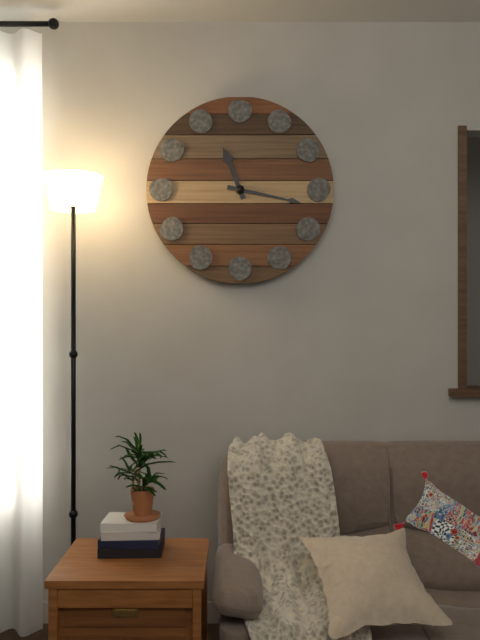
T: 11:17
